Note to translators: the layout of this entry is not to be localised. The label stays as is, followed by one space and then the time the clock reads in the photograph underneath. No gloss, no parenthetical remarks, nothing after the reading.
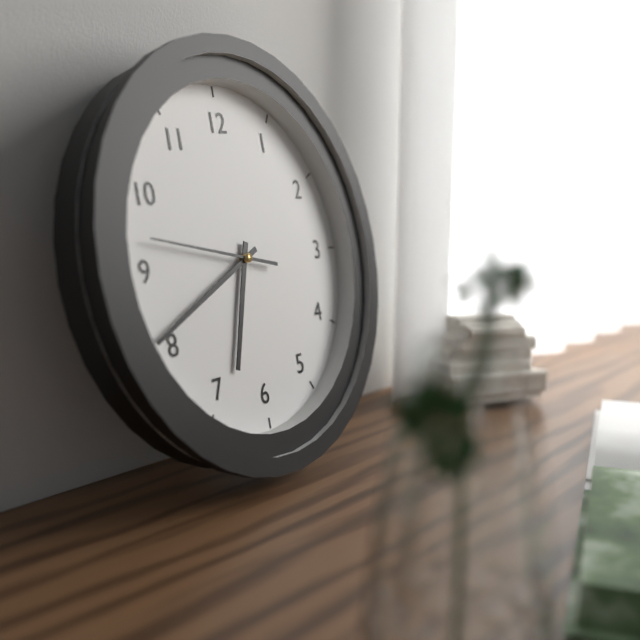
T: 6:41:47
